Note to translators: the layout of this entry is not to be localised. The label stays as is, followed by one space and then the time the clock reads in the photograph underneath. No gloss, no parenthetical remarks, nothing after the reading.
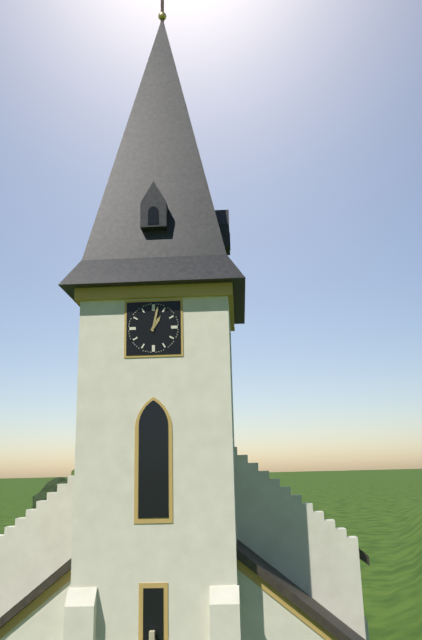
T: 1:02
